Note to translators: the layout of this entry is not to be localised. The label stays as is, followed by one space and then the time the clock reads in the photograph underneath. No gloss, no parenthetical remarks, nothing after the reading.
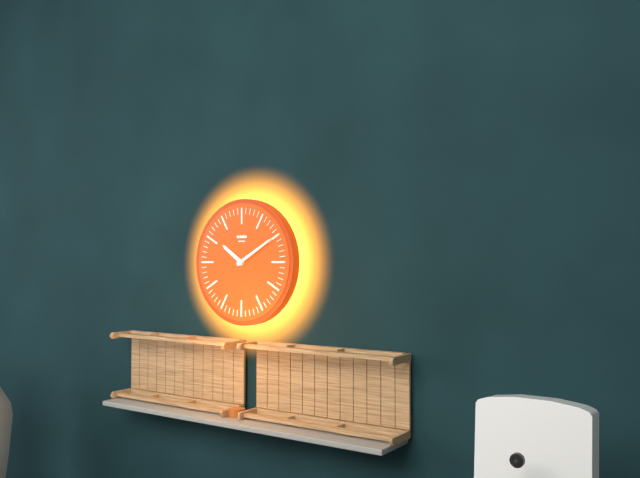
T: 10:10
